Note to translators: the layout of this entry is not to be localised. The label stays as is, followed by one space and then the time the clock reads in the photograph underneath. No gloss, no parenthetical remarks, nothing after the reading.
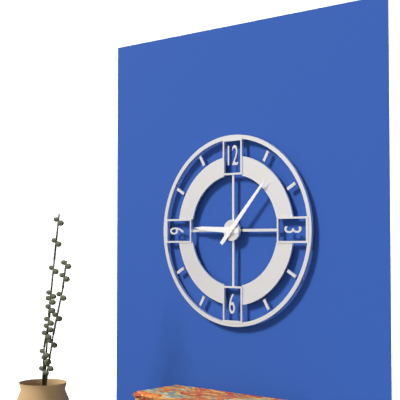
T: 9:07
